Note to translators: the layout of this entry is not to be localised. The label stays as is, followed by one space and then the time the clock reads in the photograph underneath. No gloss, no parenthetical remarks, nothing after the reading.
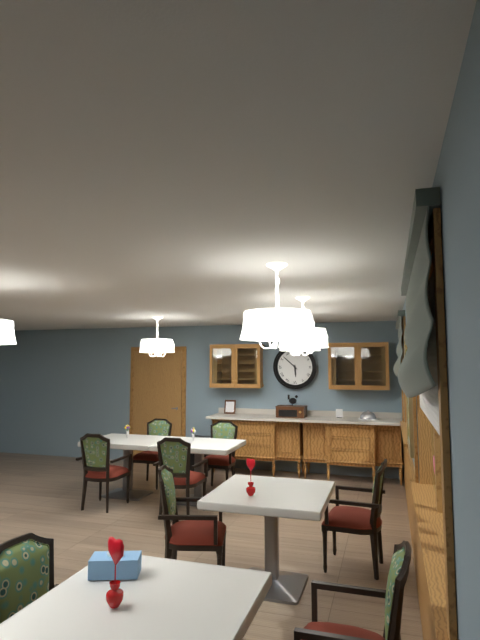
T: 5:52
